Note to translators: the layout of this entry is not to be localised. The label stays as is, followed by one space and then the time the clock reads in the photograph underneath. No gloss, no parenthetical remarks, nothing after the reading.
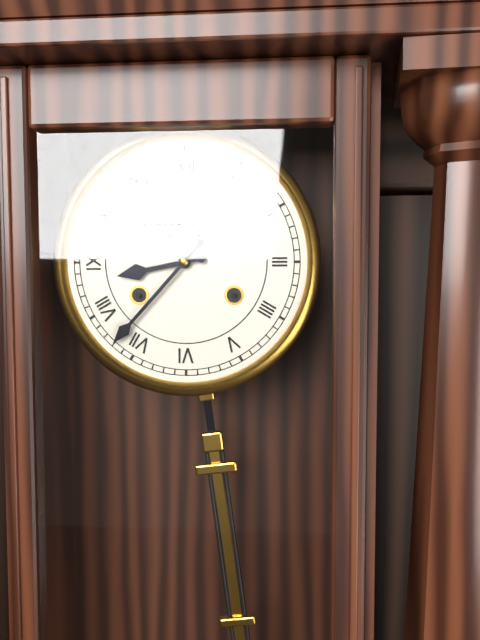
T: 8:37
